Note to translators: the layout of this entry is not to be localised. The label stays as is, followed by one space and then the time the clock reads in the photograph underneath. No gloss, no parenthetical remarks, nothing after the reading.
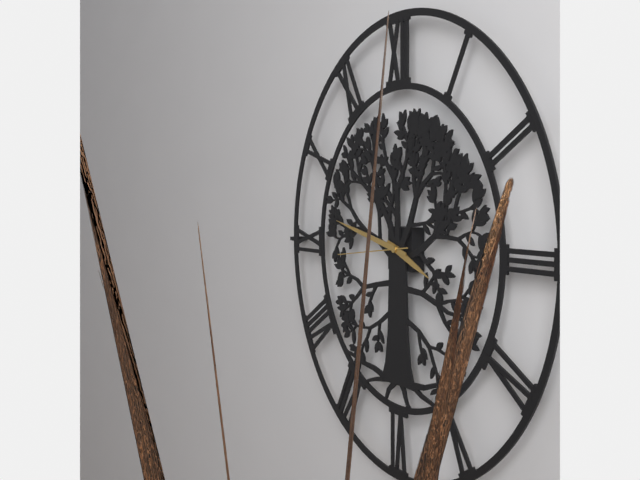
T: 3:47:44
